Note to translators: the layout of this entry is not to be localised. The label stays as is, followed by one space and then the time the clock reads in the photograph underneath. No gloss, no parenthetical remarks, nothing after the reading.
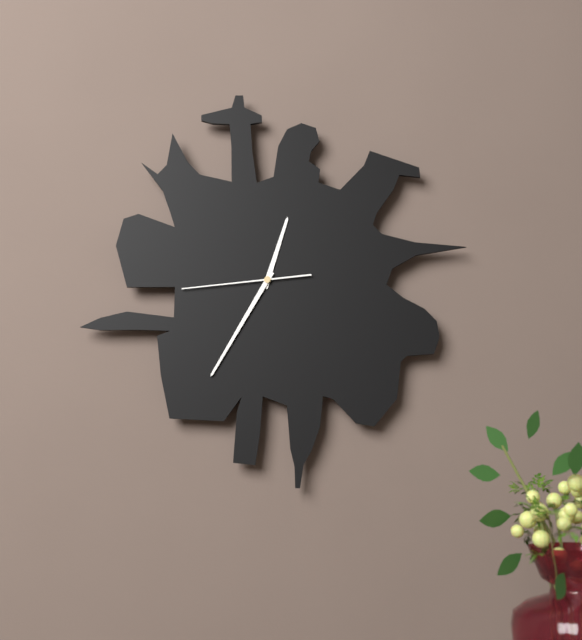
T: 12:35:44
